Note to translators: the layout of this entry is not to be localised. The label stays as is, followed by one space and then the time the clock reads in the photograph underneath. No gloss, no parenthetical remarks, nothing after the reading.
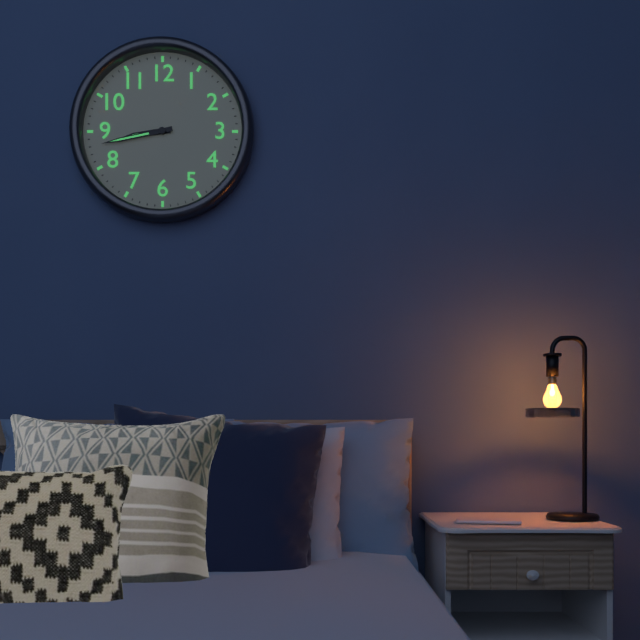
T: 8:43
